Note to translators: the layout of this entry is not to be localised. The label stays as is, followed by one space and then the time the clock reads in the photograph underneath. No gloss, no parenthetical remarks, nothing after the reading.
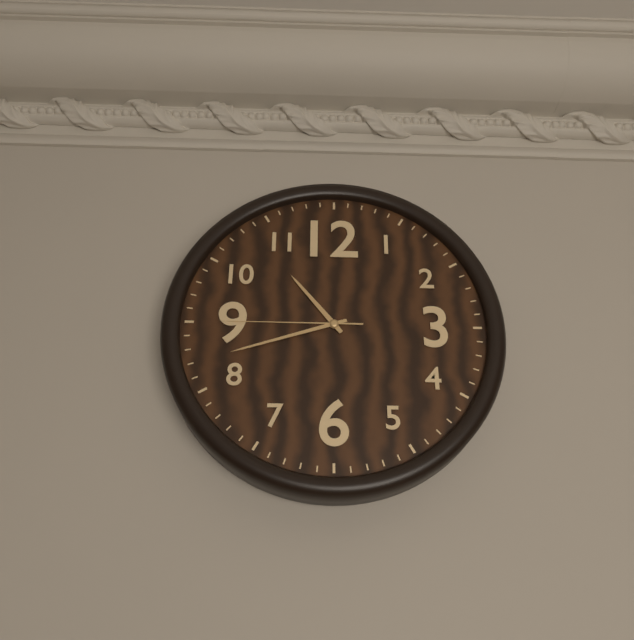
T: 10:42:45
